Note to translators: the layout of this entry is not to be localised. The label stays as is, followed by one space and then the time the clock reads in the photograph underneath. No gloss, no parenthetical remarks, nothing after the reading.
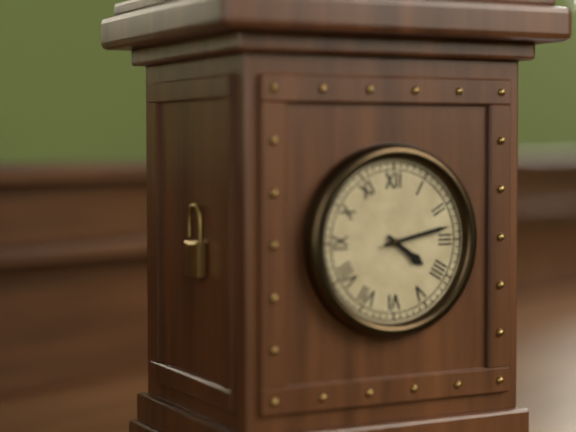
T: 4:13
